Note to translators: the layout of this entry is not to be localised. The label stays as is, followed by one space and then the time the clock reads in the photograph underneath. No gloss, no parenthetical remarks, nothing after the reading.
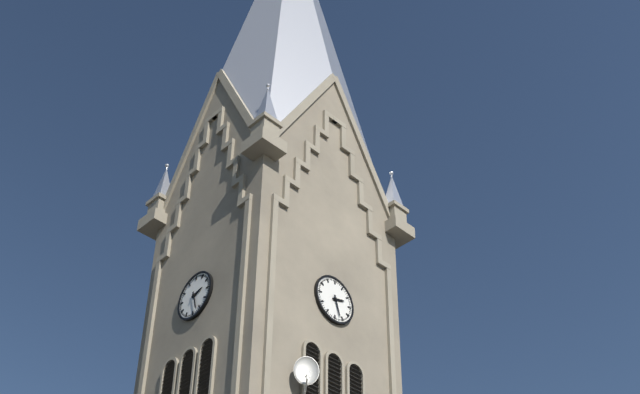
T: 2:27
